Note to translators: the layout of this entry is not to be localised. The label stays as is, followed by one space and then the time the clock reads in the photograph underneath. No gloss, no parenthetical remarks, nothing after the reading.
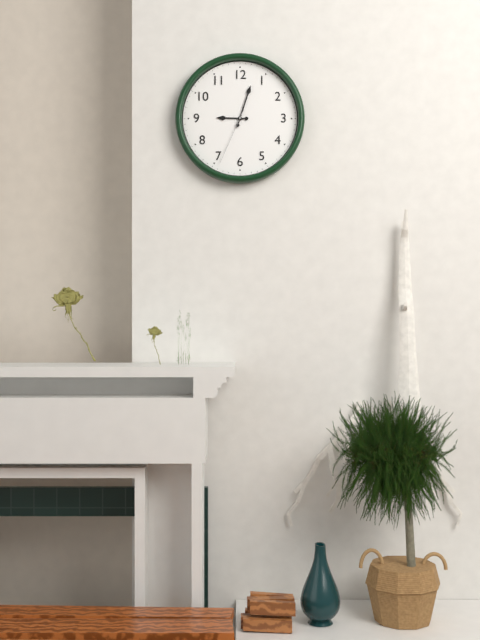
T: 9:03:34
